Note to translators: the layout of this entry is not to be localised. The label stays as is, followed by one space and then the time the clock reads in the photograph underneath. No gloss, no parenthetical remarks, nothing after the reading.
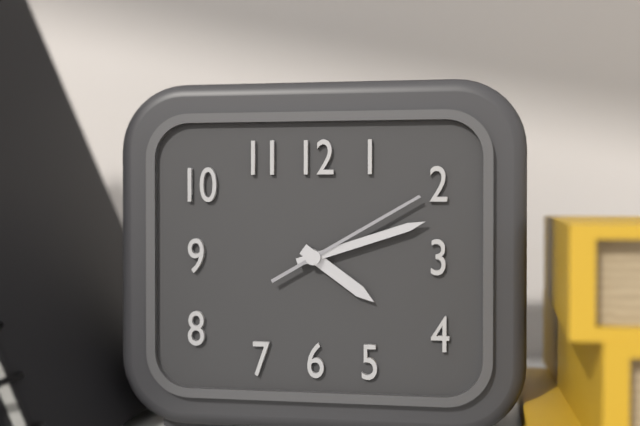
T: 4:12:10
